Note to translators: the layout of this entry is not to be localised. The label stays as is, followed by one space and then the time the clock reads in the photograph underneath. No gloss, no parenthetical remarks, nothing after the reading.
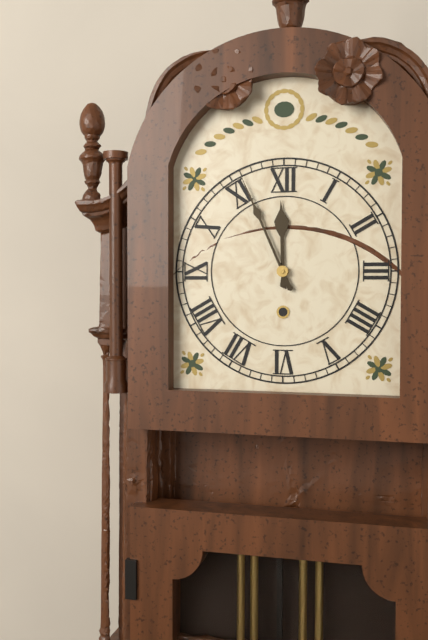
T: 11:56
